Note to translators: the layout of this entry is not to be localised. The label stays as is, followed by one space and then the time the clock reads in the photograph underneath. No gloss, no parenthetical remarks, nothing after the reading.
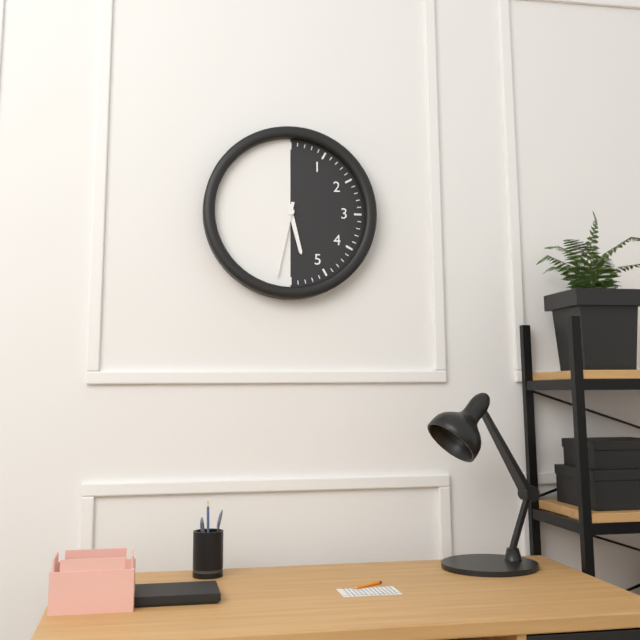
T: 5:32
